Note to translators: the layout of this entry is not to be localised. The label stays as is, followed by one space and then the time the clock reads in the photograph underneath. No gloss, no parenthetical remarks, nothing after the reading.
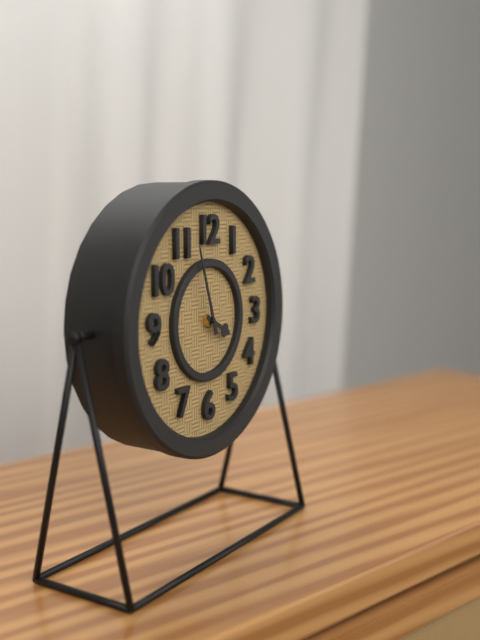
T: 3:57
